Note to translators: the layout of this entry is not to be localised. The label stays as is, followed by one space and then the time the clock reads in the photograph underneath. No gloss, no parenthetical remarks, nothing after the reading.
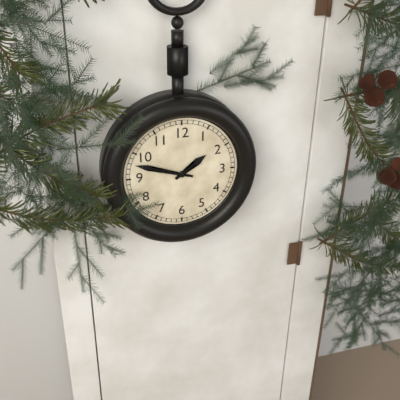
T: 1:48
